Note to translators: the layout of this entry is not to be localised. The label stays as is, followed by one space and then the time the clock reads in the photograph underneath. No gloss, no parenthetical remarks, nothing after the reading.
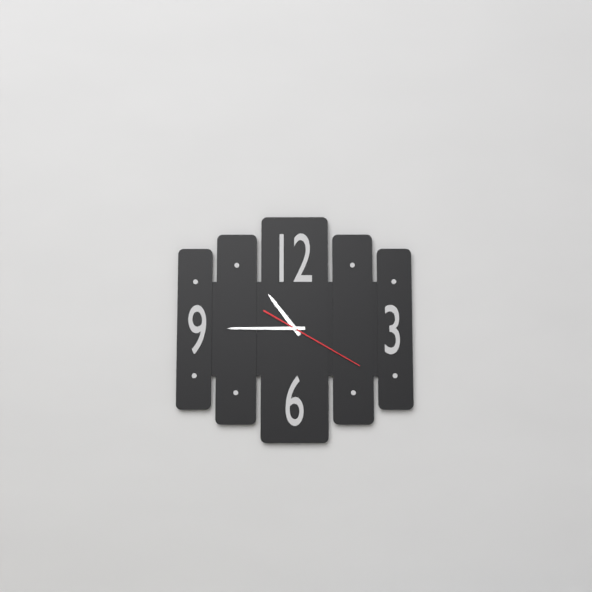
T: 10:45:20
